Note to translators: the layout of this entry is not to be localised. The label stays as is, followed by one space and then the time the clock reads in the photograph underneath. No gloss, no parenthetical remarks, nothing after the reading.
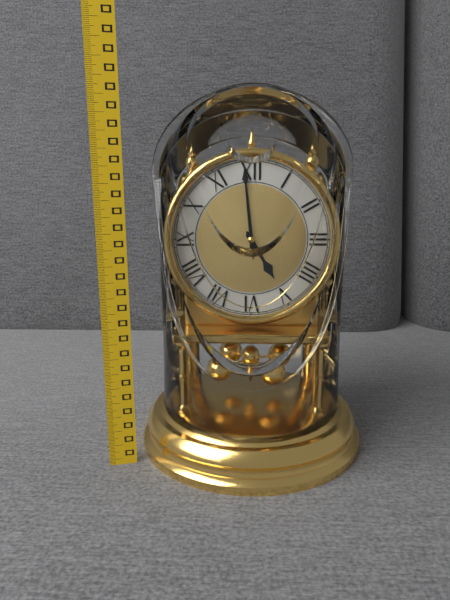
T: 4:59:59
